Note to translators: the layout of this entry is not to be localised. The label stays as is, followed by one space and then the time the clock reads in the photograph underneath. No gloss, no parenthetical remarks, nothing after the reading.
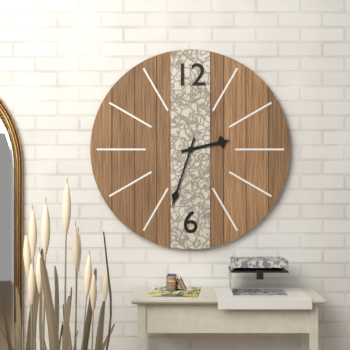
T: 2:33
